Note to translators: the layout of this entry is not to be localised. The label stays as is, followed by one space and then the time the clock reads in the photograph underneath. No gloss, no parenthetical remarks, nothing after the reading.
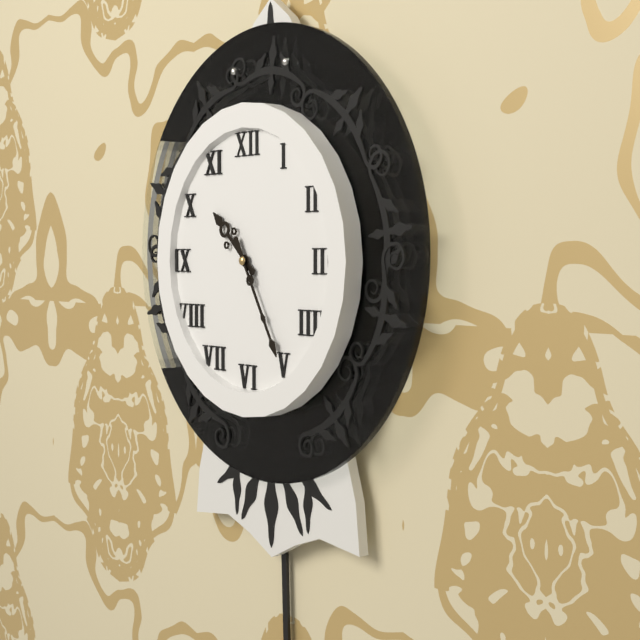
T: 10:25
